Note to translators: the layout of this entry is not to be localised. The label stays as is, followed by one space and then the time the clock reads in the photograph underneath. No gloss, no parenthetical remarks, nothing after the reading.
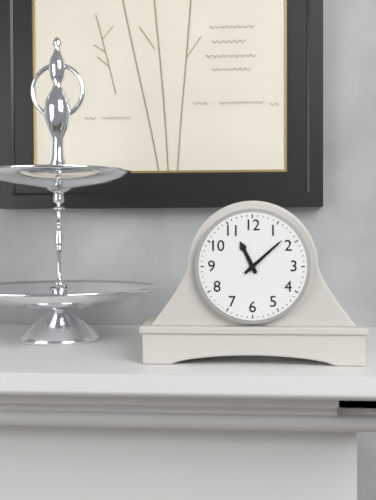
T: 11:08
